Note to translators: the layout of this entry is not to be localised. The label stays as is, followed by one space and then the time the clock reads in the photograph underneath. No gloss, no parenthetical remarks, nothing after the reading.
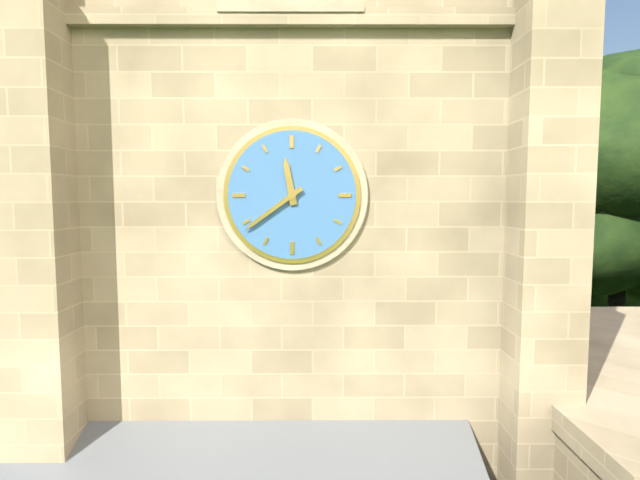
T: 11:39
